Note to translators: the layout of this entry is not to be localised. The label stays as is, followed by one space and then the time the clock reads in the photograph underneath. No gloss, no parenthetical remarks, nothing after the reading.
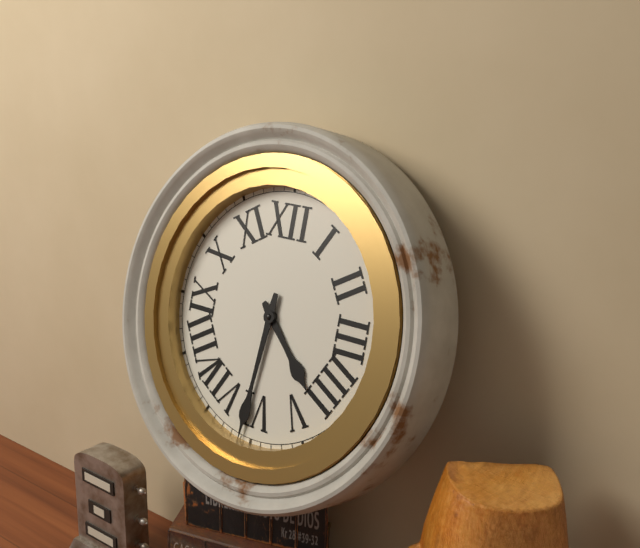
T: 4:31
